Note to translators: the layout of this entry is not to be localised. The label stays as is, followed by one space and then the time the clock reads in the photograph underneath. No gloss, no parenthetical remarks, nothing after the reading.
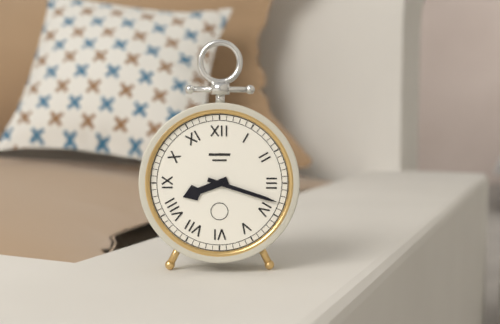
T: 8:18
